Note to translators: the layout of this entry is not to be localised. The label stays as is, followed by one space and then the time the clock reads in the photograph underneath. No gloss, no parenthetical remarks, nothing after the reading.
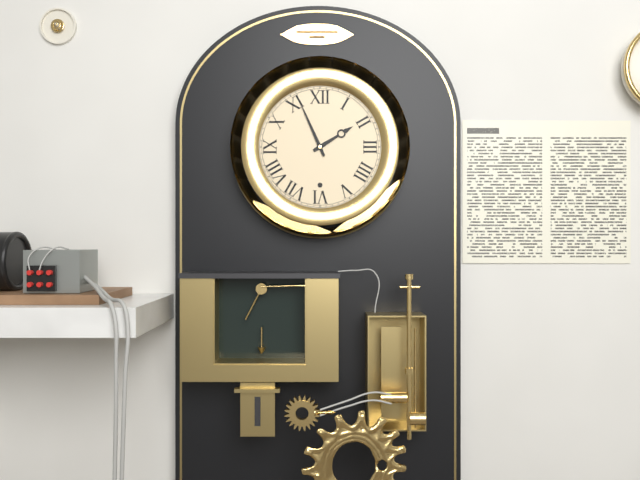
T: 1:56
